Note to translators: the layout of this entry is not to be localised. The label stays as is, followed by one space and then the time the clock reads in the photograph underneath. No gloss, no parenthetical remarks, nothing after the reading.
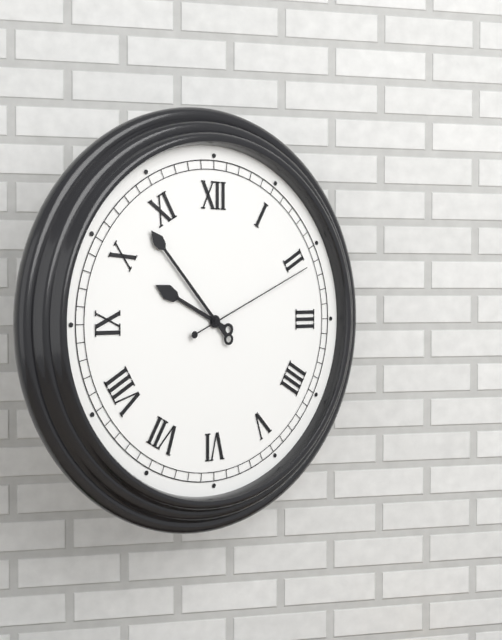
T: 9:53:11
